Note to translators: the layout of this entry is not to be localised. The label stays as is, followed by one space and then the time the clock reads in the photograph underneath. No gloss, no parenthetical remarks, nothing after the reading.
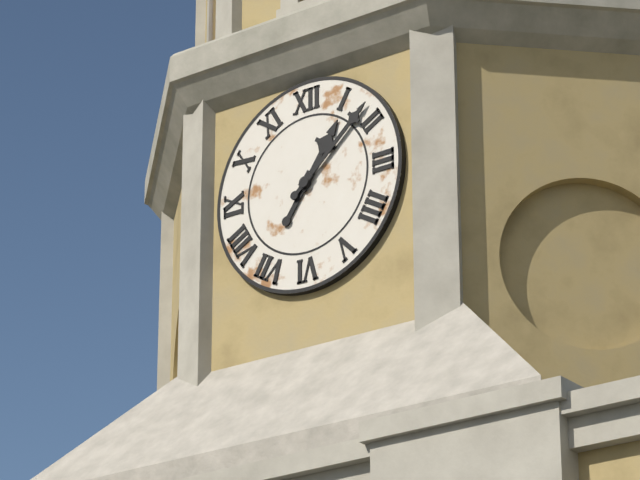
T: 1:08
